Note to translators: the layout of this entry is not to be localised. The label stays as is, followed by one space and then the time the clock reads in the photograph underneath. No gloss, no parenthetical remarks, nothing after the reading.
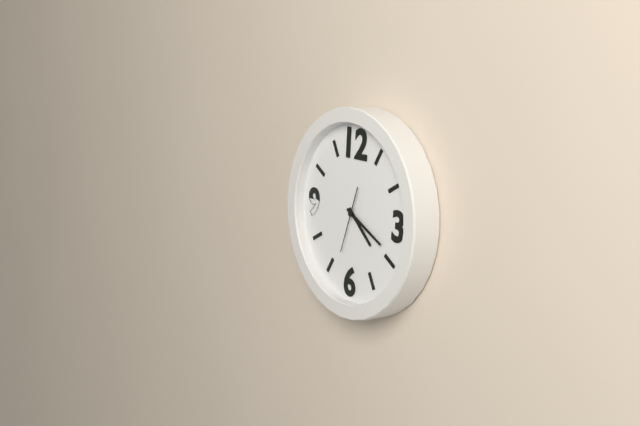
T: 4:19:33
